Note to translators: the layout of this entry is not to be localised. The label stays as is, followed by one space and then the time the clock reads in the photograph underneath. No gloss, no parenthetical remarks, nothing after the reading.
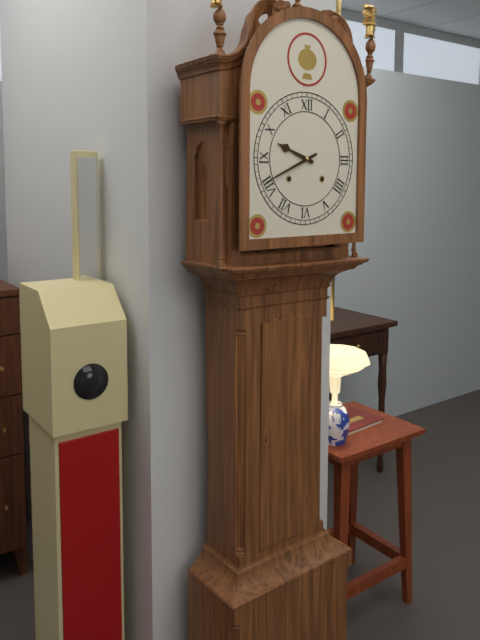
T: 9:41
